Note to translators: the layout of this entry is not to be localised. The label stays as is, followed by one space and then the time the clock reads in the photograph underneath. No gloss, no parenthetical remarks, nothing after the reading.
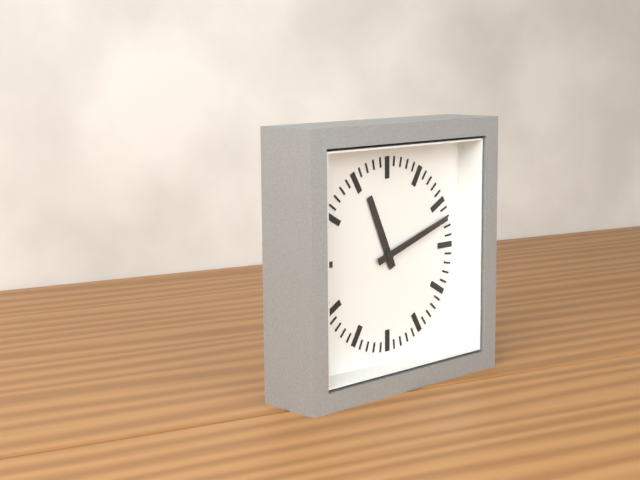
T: 11:12
